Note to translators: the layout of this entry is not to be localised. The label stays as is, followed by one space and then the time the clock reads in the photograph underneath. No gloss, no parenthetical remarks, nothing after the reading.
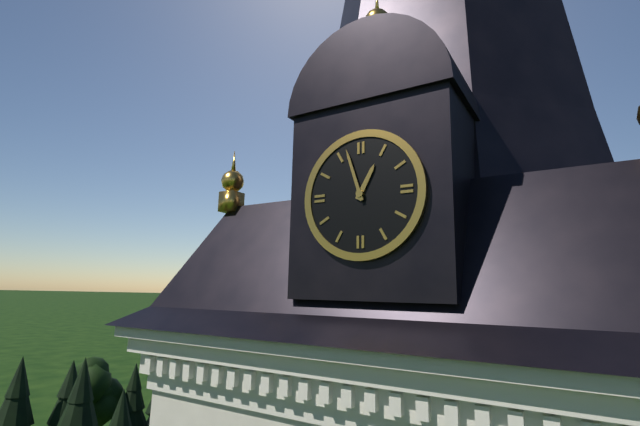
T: 12:57
